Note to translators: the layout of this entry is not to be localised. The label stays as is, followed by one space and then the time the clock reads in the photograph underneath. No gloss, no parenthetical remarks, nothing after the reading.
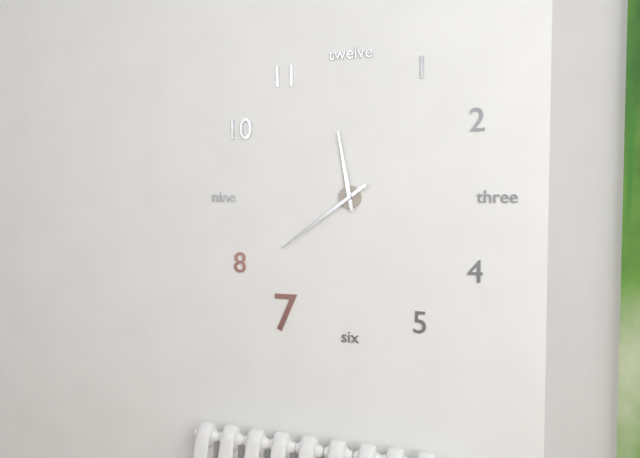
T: 11:39
